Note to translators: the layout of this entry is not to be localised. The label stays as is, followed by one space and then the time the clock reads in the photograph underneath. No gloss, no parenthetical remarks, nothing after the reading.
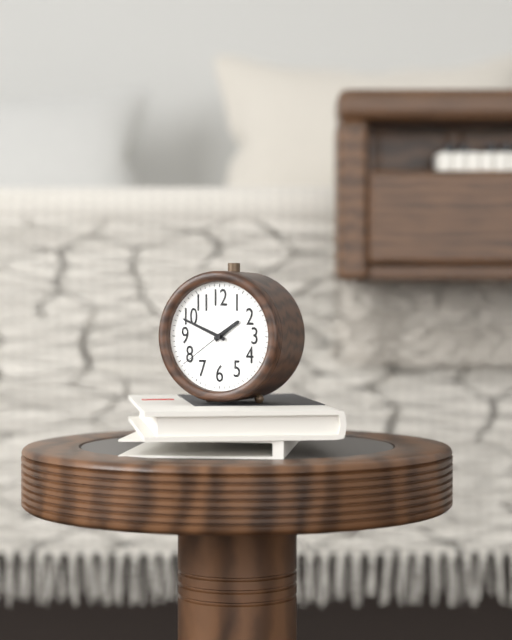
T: 1:49:39
